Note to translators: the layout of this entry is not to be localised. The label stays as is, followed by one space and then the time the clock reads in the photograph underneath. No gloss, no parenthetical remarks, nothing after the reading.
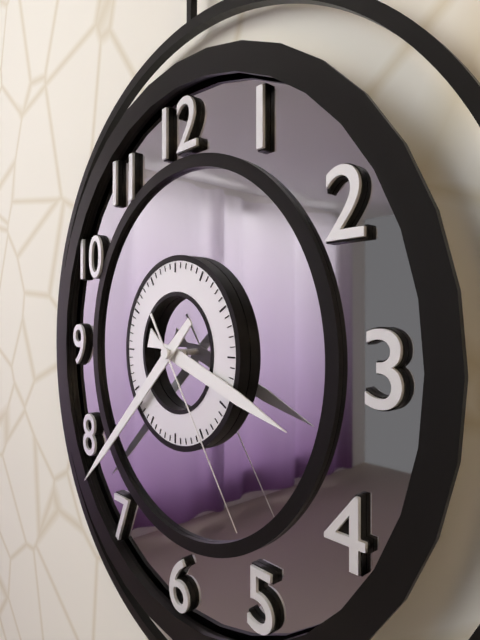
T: 3:38:24
